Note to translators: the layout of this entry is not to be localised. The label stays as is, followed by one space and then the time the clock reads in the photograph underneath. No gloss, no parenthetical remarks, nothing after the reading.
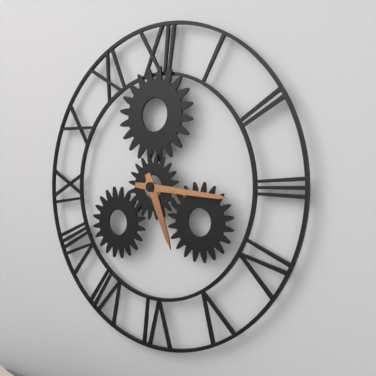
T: 5:16
